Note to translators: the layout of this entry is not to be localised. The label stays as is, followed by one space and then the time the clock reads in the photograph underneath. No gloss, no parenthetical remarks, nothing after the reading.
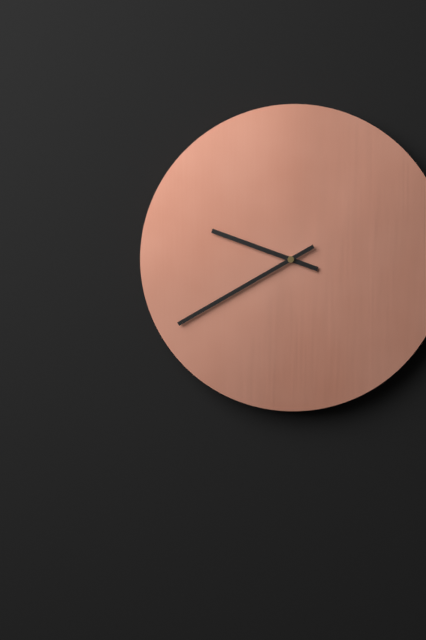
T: 9:40
